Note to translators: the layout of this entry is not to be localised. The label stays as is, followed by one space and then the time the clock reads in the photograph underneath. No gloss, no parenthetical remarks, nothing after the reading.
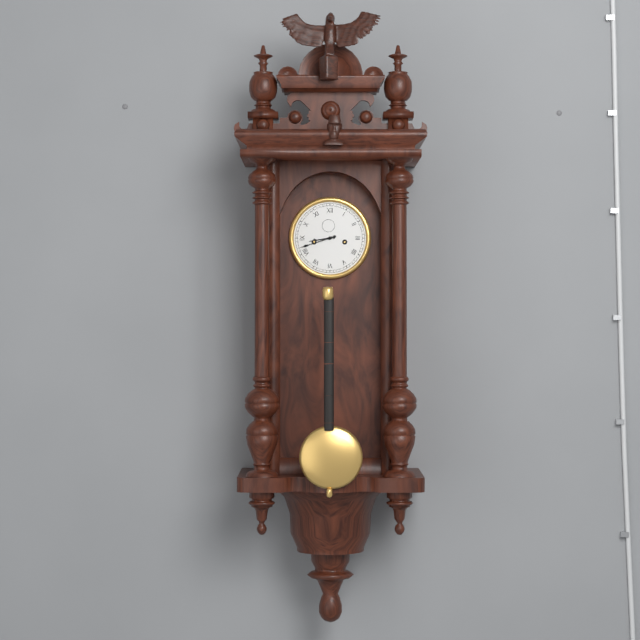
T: 8:42
